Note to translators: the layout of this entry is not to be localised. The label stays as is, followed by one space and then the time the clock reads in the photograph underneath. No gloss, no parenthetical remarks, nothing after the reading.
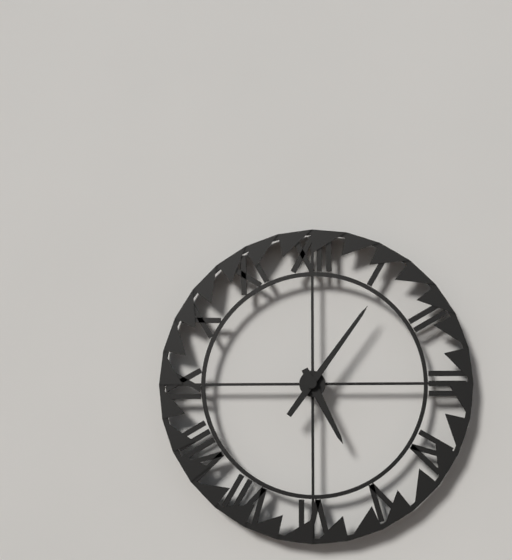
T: 5:06
